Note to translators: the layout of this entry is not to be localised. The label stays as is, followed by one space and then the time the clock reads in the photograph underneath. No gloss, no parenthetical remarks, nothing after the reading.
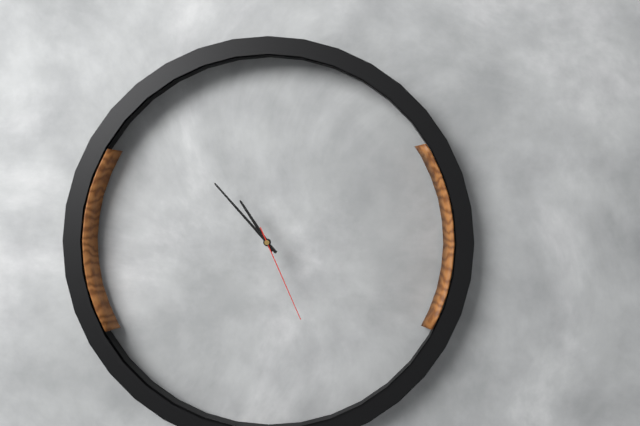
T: 10:53:26
